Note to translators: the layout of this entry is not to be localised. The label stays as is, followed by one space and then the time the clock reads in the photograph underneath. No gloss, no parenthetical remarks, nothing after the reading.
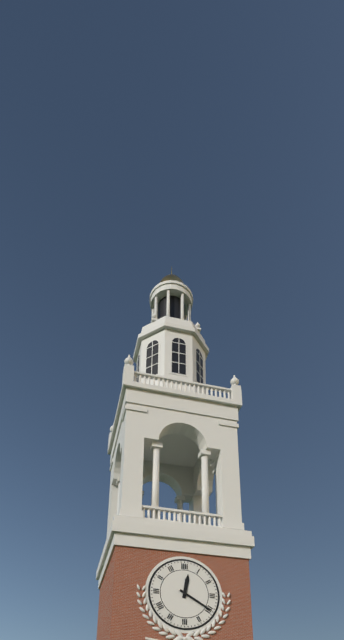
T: 12:20
